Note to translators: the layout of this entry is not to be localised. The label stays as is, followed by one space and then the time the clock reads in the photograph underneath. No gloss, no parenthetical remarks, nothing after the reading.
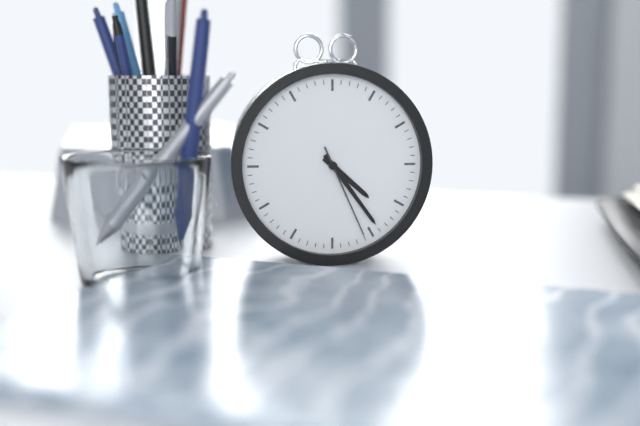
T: 4:24:26
